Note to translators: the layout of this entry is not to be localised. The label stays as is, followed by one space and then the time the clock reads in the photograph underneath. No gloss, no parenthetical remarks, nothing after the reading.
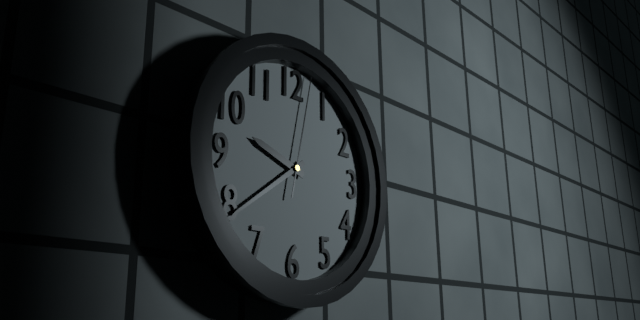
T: 9:39:02
